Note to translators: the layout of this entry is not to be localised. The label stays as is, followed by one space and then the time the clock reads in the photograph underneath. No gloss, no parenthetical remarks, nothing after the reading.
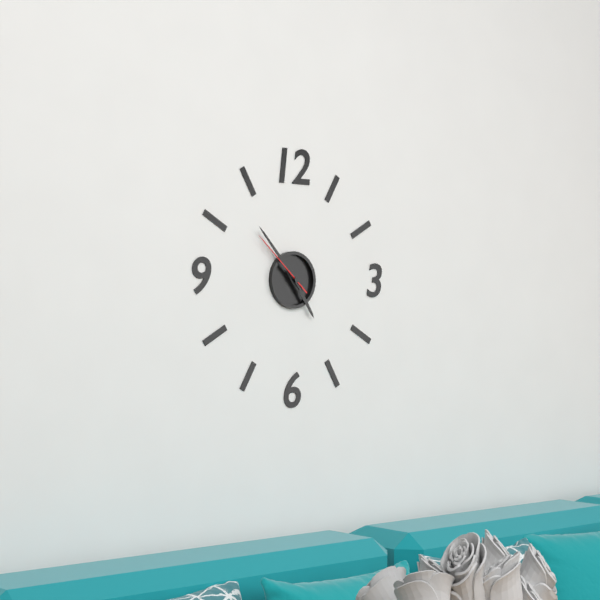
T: 4:53:52
